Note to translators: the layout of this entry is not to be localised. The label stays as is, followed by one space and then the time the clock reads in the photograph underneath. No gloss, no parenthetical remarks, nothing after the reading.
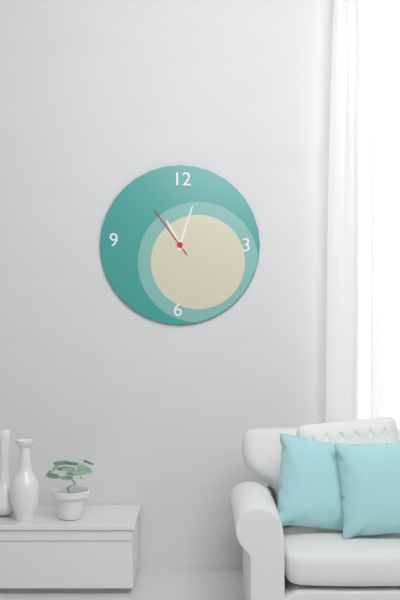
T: 11:03:54
